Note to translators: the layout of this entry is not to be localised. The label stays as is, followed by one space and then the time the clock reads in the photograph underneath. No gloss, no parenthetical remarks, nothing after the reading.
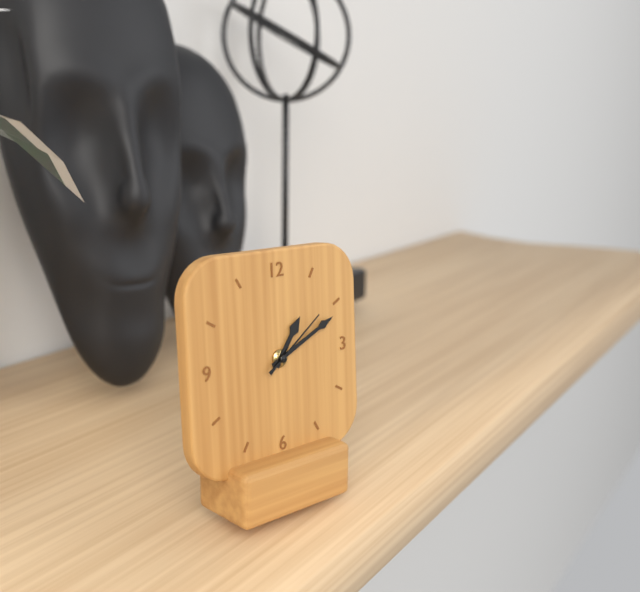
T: 1:11:09
